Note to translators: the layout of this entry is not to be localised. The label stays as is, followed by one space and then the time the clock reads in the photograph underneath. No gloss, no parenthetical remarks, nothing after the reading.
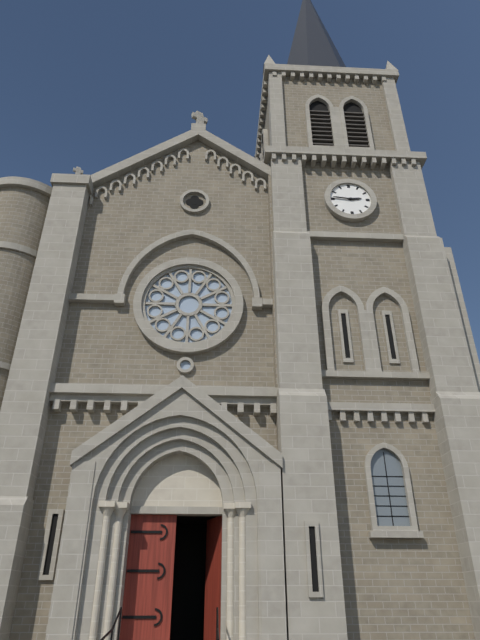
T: 2:46
